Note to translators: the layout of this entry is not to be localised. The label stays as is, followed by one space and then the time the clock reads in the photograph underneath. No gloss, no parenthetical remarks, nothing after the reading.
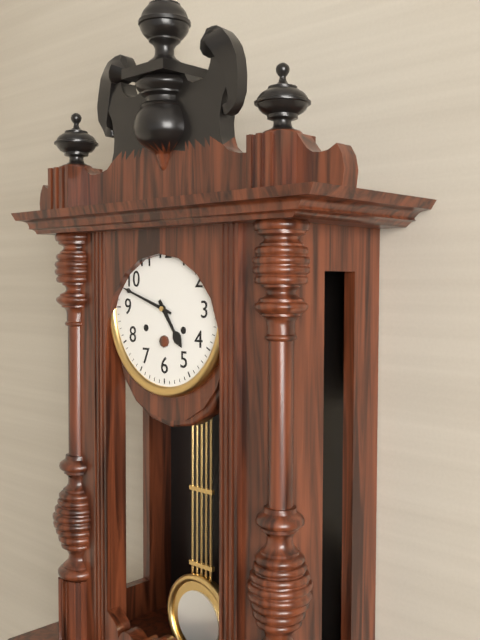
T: 4:48
